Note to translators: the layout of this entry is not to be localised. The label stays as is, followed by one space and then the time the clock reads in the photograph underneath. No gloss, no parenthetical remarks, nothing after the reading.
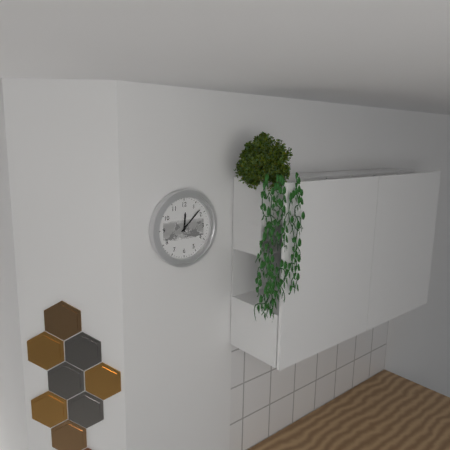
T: 12:08
